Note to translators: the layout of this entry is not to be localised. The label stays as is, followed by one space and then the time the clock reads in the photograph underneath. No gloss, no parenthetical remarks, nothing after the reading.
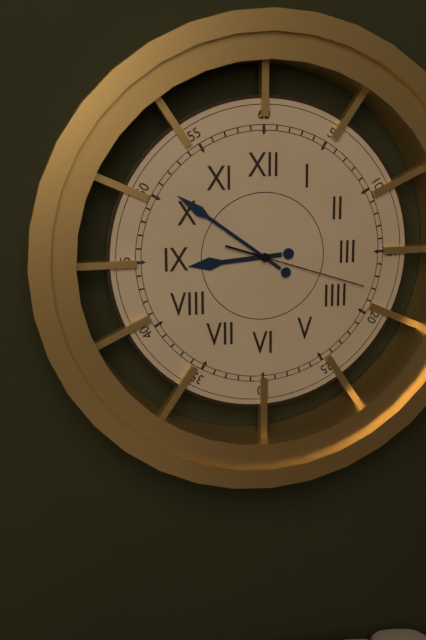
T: 8:51:18
